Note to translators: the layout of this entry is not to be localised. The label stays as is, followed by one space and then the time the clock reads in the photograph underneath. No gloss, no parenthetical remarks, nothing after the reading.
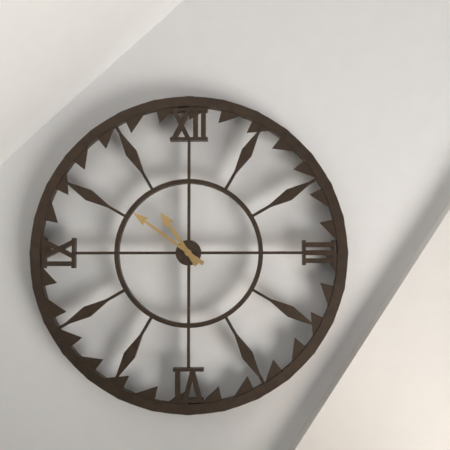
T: 10:51
